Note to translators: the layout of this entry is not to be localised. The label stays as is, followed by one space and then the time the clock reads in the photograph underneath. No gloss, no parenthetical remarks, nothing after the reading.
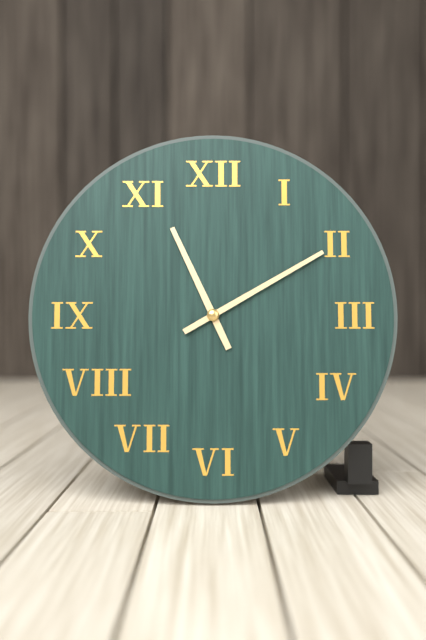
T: 11:10
